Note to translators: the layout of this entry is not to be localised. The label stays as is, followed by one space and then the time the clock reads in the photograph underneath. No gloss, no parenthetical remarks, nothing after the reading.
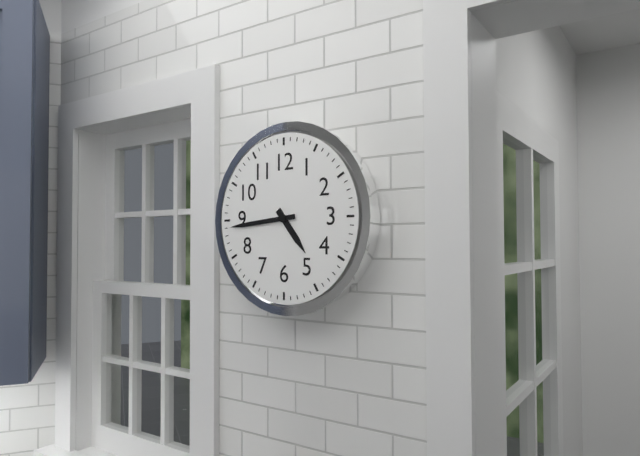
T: 4:44
